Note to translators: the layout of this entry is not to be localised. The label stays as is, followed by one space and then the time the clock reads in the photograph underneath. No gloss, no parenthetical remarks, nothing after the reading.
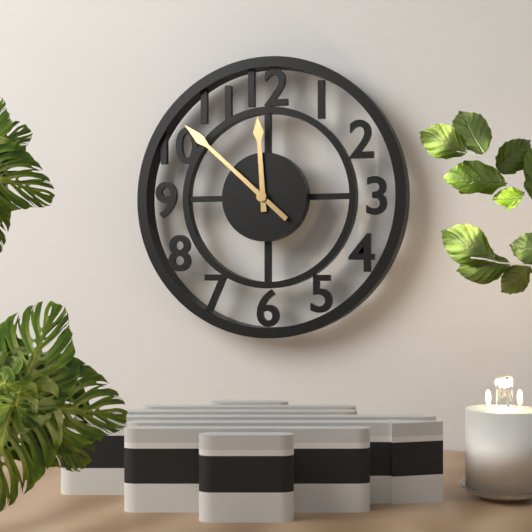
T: 11:52
